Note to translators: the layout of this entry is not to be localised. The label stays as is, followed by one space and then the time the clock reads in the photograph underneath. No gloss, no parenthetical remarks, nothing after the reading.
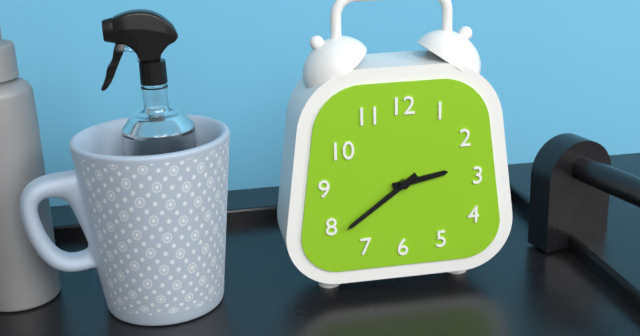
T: 2:39
